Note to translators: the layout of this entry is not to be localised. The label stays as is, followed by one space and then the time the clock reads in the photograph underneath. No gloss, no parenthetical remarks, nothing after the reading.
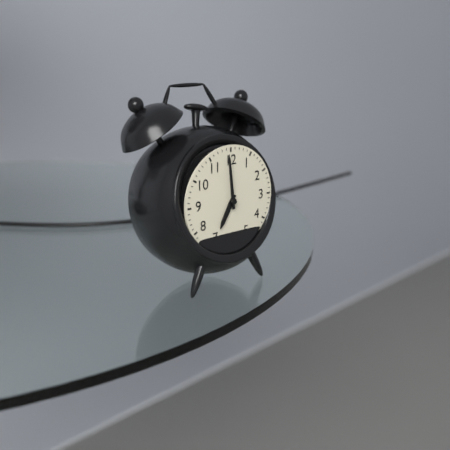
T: 6:59
